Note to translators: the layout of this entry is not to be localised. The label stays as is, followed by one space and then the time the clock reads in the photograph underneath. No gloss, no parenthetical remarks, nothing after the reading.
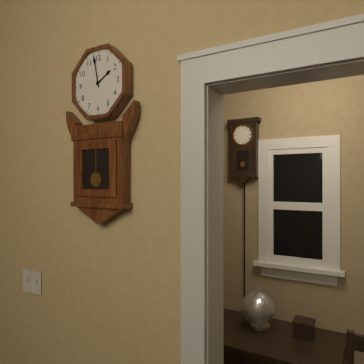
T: 1:58
